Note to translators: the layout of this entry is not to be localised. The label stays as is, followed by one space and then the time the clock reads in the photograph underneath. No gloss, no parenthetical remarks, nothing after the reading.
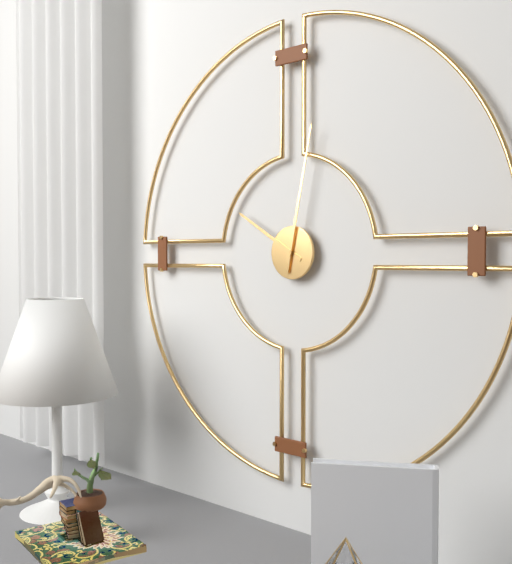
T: 10:02
